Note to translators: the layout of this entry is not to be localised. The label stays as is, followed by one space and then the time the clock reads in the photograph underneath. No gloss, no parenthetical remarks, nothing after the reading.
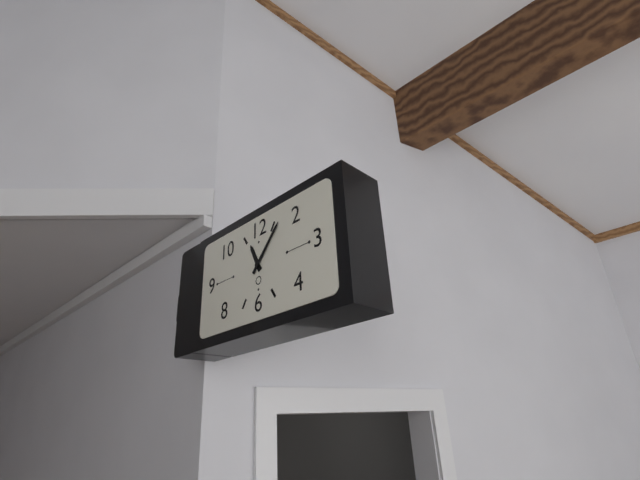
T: 11:07
